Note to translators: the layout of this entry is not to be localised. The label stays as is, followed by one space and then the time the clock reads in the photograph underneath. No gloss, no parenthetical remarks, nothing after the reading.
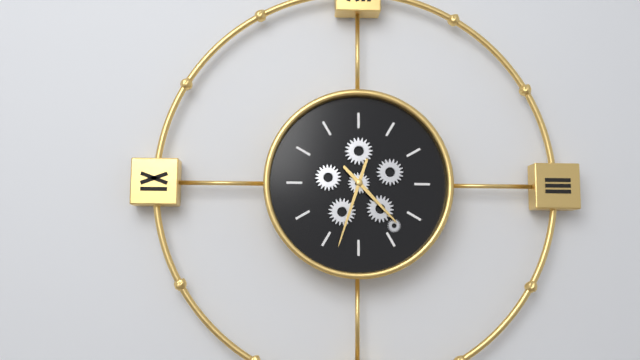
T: 4:33
